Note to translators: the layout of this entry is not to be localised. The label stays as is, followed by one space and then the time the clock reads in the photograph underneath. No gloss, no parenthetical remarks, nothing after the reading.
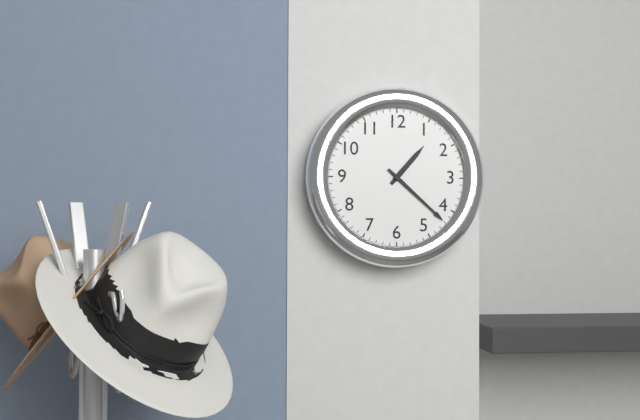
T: 1:22
